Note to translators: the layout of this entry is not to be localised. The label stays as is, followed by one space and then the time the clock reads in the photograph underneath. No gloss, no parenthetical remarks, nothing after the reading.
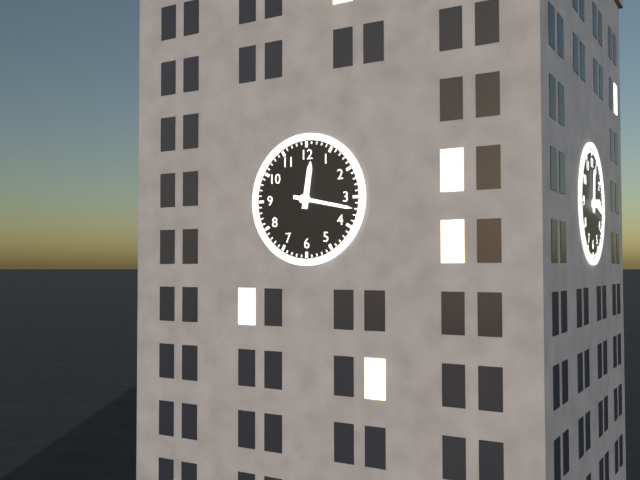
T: 12:17
